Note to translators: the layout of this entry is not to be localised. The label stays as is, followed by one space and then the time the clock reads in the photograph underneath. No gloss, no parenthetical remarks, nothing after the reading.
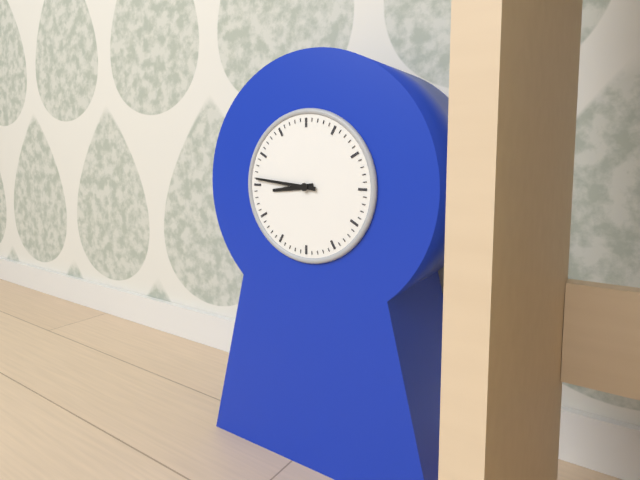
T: 8:46
